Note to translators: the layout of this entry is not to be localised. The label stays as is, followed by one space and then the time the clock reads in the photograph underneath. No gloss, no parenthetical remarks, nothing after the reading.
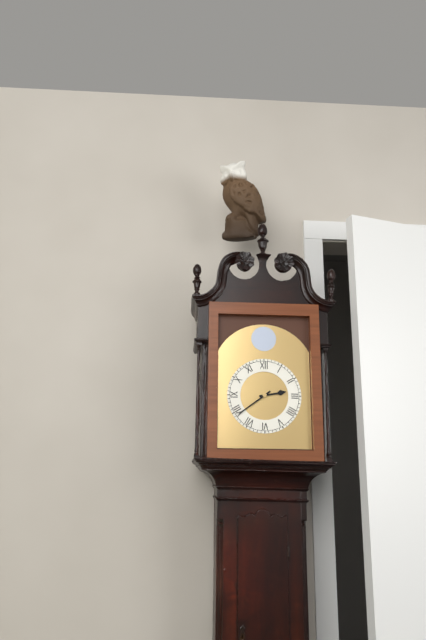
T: 2:39
